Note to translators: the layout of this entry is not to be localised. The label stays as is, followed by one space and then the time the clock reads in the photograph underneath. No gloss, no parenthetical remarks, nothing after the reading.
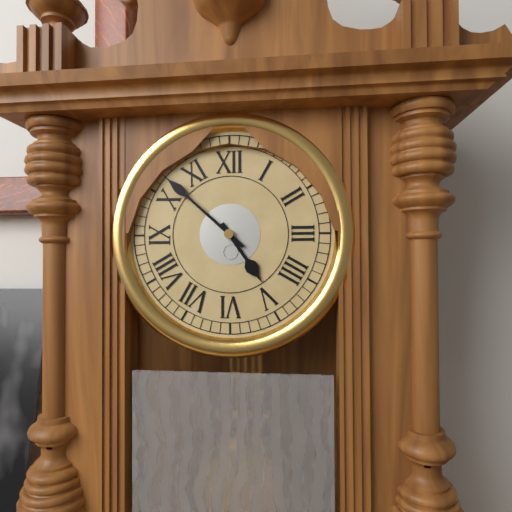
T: 4:52
